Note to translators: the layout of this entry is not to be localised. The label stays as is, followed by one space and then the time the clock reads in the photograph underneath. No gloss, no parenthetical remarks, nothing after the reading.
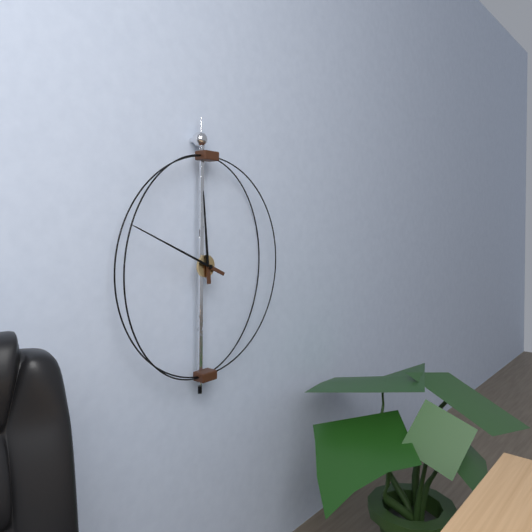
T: 11:49
